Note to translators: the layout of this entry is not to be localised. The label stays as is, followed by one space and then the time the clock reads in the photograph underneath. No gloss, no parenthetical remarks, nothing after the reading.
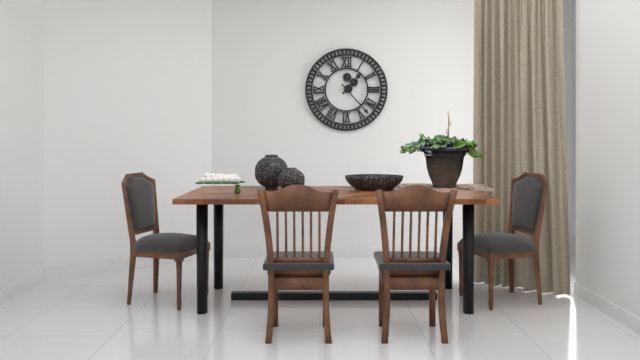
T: 1:23
